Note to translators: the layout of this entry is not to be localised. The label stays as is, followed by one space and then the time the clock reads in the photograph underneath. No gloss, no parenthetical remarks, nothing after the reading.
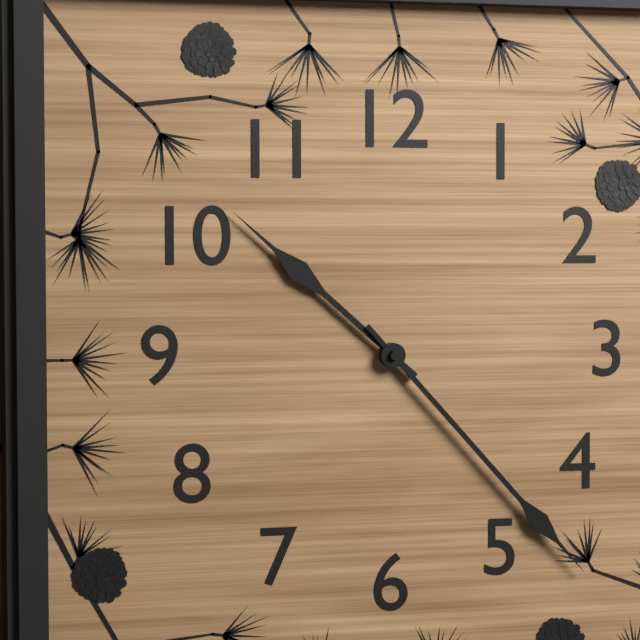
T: 10:23
